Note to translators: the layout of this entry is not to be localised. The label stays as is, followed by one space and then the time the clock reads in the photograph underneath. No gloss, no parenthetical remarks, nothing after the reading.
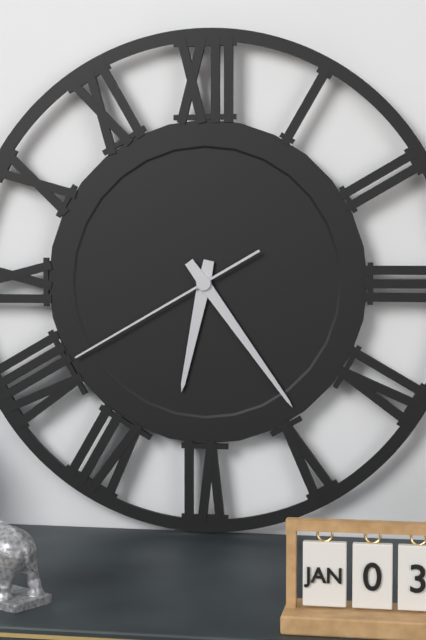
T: 6:24:40
